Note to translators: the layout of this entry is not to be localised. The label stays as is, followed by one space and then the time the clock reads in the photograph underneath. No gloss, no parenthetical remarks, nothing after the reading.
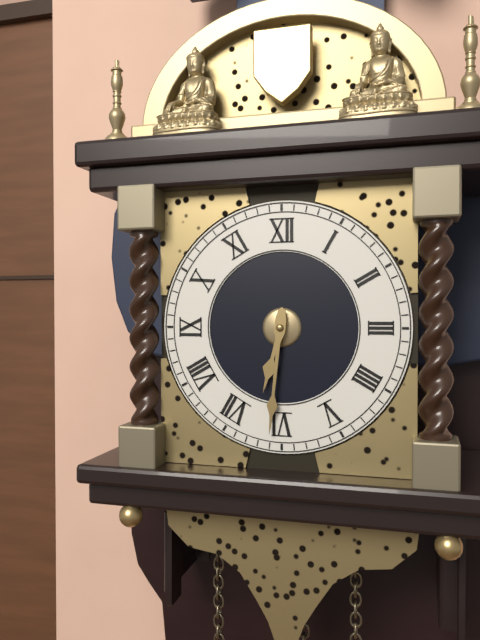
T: 6:31
